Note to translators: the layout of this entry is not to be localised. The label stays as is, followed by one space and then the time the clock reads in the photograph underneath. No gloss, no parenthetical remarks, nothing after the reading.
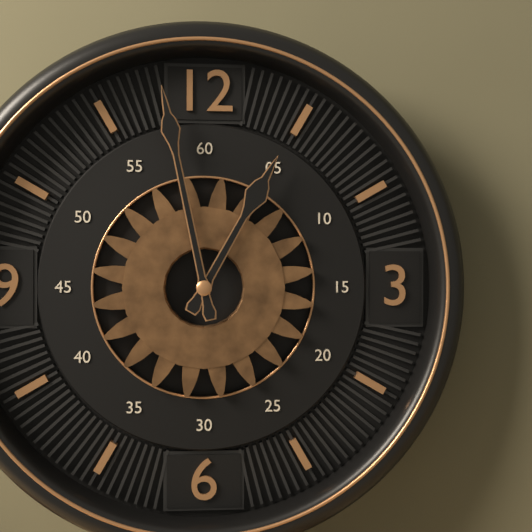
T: 12:58
